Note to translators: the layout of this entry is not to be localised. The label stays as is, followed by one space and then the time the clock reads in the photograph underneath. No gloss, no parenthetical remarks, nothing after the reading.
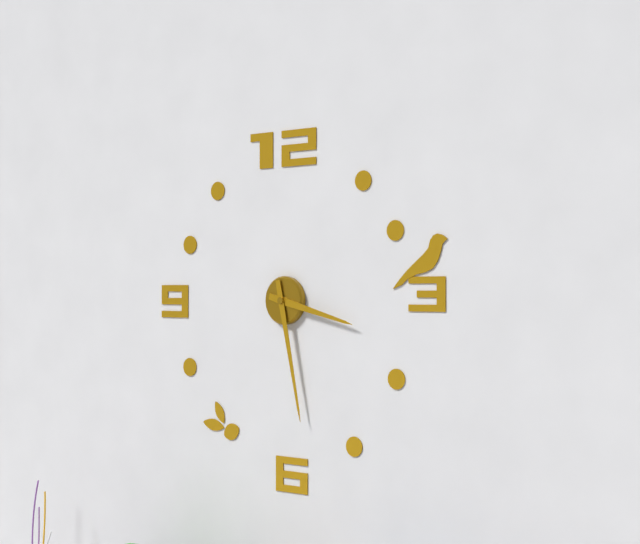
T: 3:28
